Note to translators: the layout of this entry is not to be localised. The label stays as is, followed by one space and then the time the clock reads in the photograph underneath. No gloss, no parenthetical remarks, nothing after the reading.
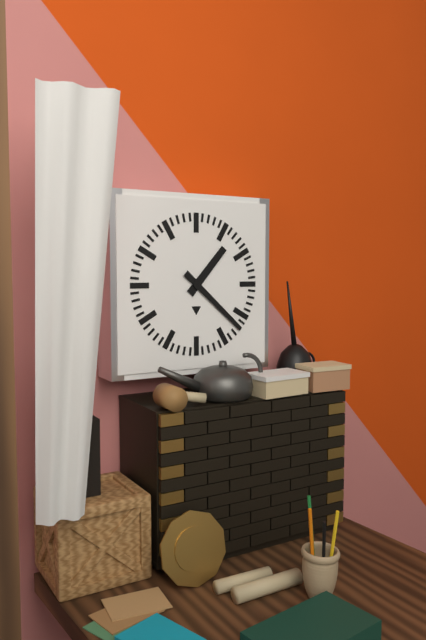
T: 1:22
